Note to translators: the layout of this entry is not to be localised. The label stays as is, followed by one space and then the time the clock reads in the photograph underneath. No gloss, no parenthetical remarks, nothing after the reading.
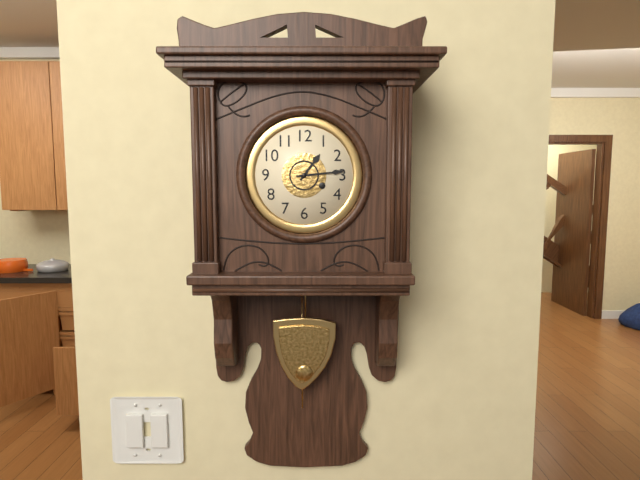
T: 1:14
